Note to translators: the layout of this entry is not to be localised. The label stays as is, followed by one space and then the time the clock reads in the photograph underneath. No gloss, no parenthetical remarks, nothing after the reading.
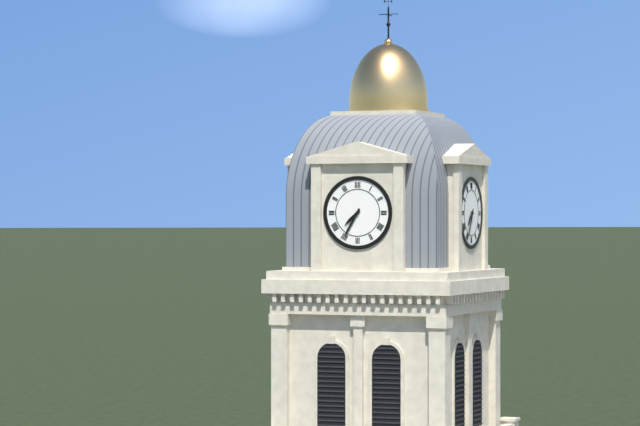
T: 7:35
